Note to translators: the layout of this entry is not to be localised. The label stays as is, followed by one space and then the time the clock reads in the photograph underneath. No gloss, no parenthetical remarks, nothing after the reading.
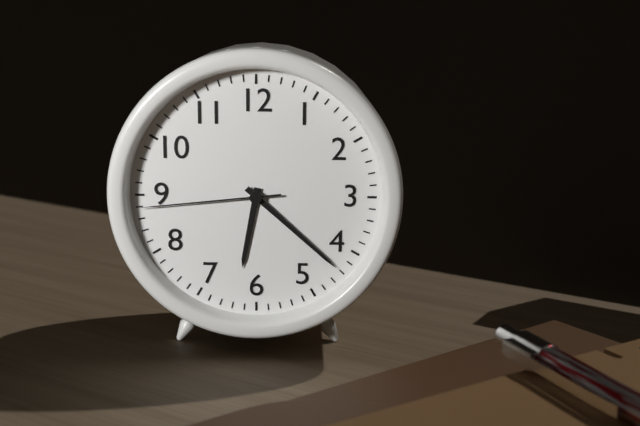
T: 6:22:44
